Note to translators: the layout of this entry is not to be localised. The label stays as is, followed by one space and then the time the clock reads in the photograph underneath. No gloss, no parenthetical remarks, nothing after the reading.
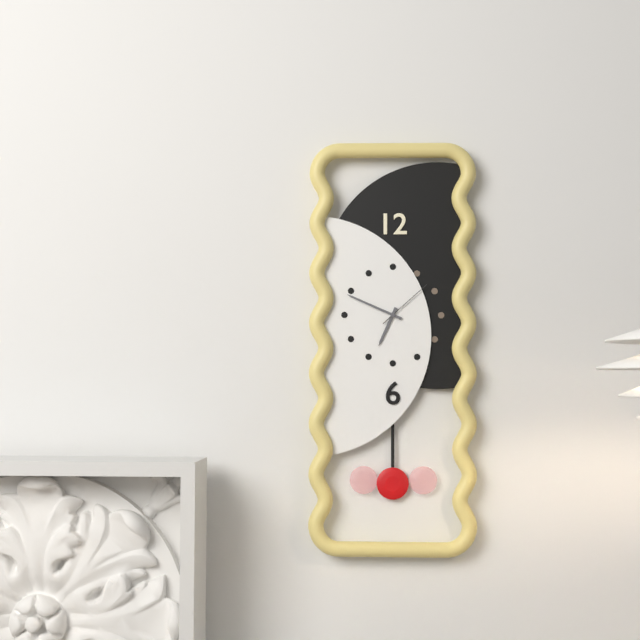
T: 6:49:08
